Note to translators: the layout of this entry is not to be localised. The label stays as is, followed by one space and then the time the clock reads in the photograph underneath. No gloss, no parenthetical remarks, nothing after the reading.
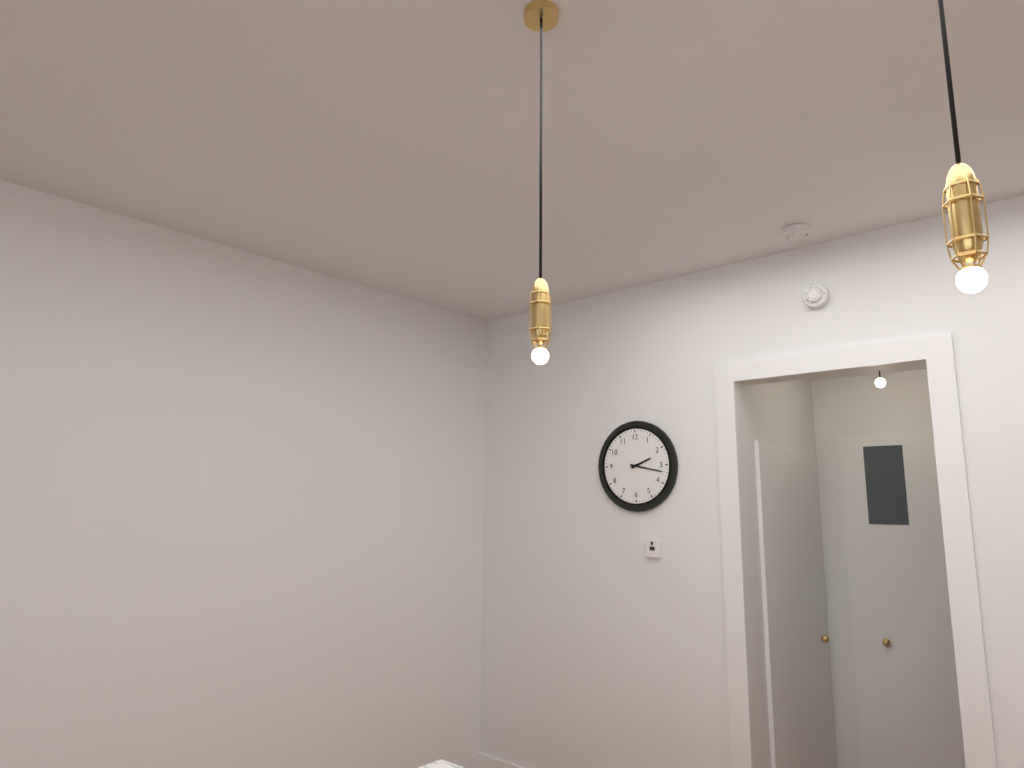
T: 2:17
